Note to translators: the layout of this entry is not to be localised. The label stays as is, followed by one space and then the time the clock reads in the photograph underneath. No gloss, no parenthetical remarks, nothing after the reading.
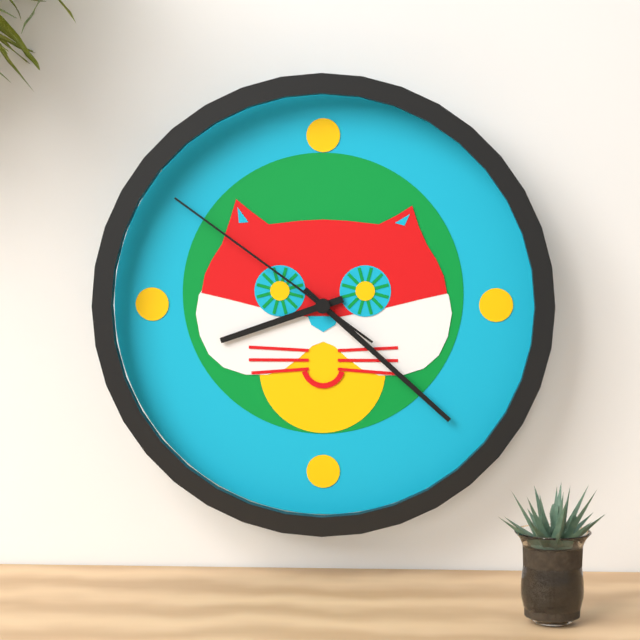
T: 8:22:51
